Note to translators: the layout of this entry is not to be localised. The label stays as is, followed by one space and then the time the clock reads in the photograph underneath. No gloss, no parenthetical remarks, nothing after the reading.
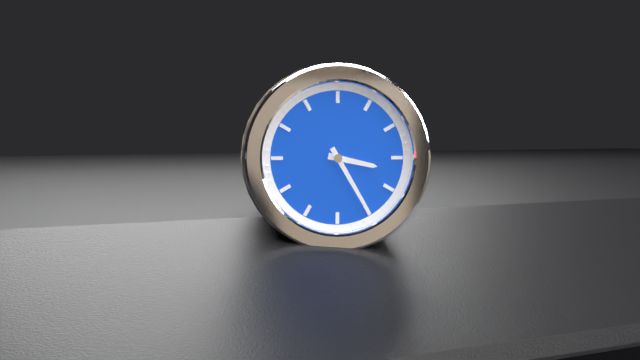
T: 3:25
